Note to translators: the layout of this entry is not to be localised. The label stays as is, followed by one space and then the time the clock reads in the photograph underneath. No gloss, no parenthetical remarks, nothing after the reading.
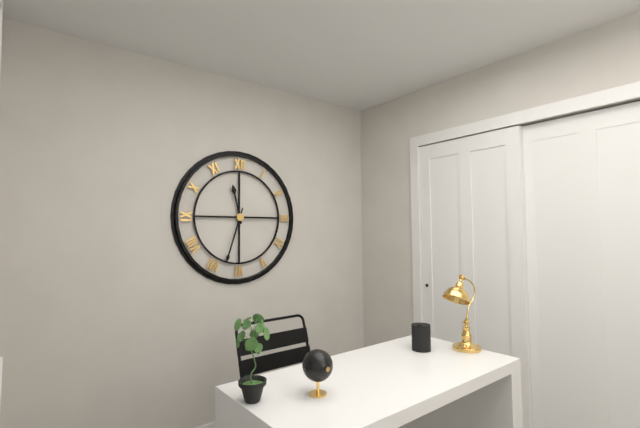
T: 11:33
